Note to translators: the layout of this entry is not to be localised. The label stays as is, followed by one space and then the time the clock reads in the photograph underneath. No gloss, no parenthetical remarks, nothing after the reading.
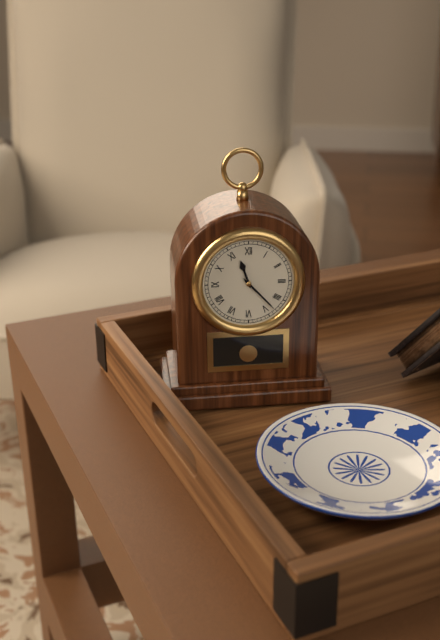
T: 11:23
